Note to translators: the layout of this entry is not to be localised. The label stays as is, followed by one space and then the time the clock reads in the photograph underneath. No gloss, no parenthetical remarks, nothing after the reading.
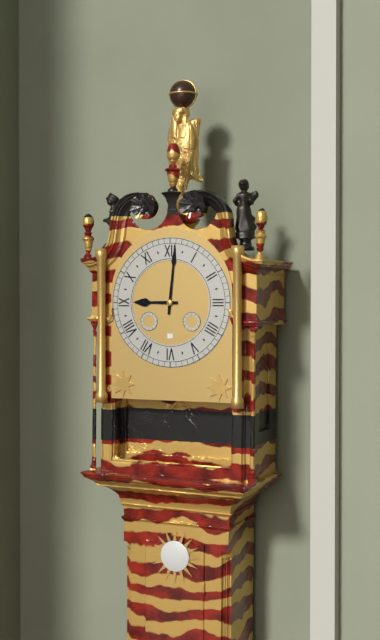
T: 9:01
